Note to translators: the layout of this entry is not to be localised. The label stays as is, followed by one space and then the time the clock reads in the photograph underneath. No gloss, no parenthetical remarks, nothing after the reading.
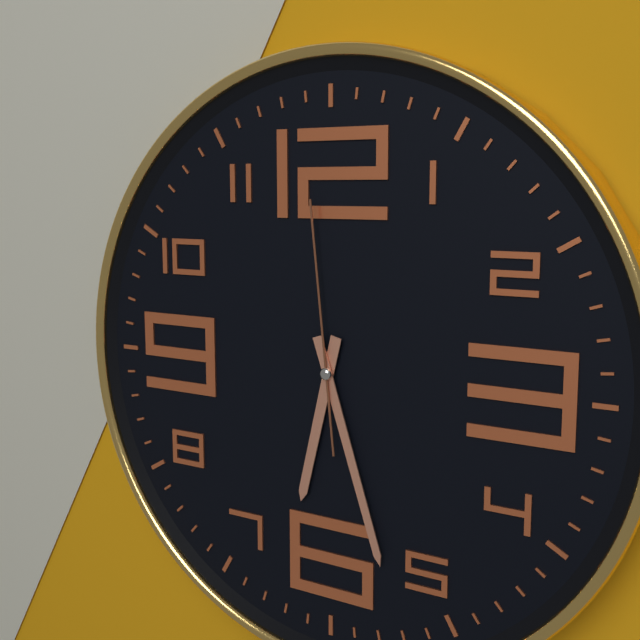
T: 6:27:59
